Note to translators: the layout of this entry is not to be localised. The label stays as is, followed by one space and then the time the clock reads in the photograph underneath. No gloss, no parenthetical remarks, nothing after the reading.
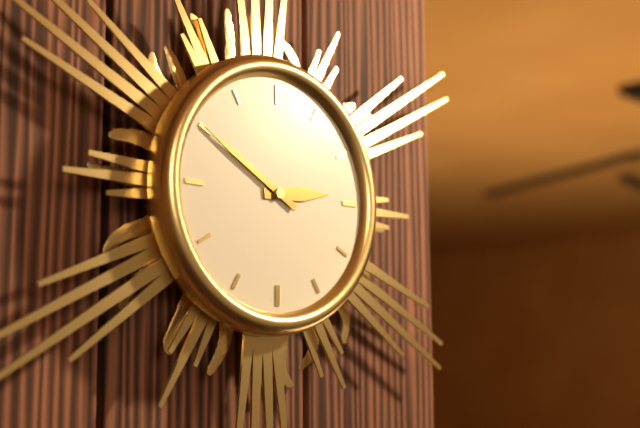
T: 2:50
